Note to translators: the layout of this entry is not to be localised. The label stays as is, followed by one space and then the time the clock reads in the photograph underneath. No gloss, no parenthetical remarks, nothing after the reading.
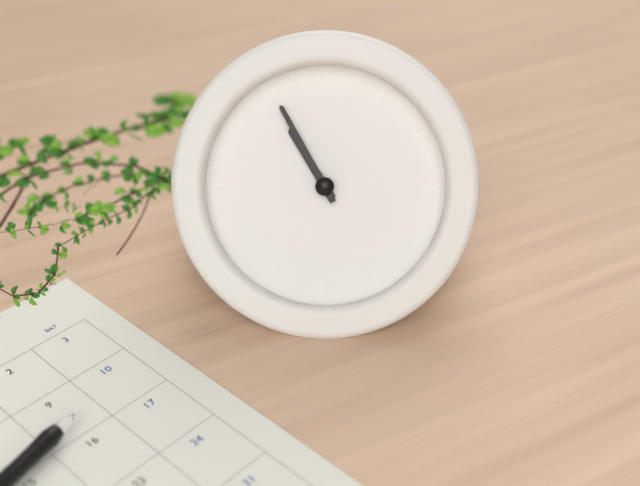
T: 10:55
